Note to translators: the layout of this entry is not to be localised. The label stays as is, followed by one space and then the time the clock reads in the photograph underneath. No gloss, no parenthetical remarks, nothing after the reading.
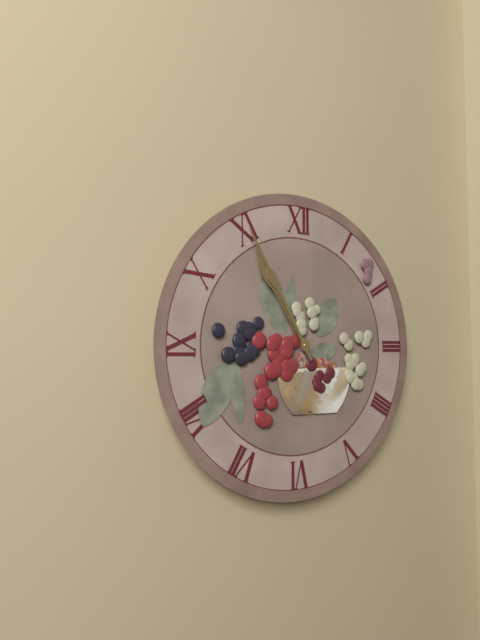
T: 10:55
